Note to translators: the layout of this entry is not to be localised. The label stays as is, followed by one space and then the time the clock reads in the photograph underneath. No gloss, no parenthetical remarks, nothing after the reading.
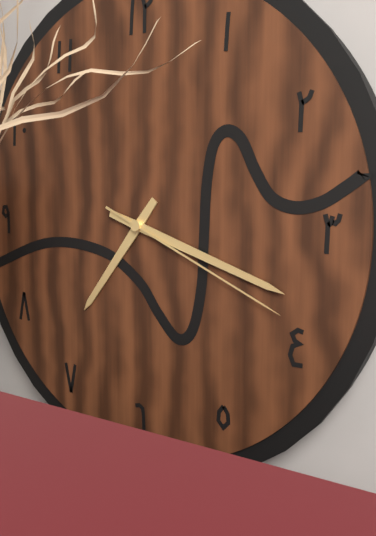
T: 7:18:19
